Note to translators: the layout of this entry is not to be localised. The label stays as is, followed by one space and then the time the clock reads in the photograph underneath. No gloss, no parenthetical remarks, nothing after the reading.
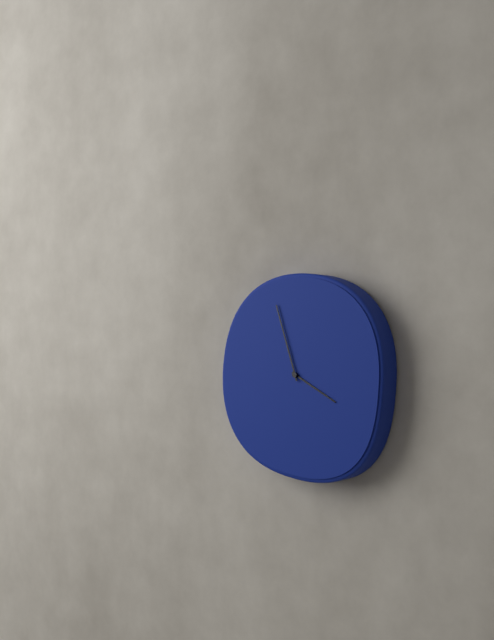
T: 3:57
